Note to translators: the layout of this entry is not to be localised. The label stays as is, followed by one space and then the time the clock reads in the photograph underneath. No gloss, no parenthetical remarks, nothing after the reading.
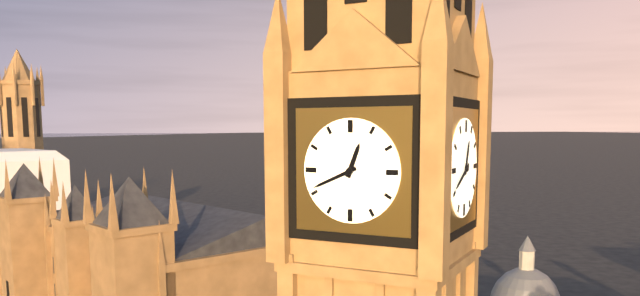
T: 12:41
